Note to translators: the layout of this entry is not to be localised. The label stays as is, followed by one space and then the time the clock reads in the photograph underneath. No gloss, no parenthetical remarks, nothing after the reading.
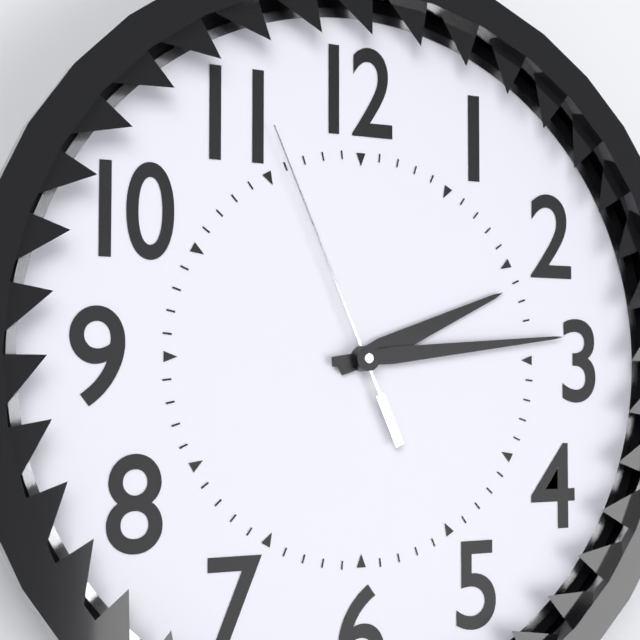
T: 2:14:56
